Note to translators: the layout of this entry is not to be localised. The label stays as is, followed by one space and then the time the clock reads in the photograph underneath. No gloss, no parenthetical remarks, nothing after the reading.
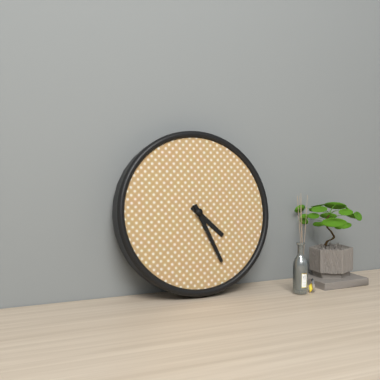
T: 4:26
